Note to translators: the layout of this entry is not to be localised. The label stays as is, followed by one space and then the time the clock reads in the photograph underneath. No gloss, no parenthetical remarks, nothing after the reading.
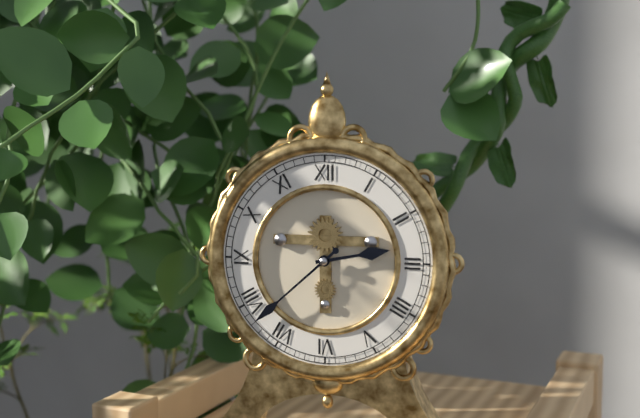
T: 2:38
